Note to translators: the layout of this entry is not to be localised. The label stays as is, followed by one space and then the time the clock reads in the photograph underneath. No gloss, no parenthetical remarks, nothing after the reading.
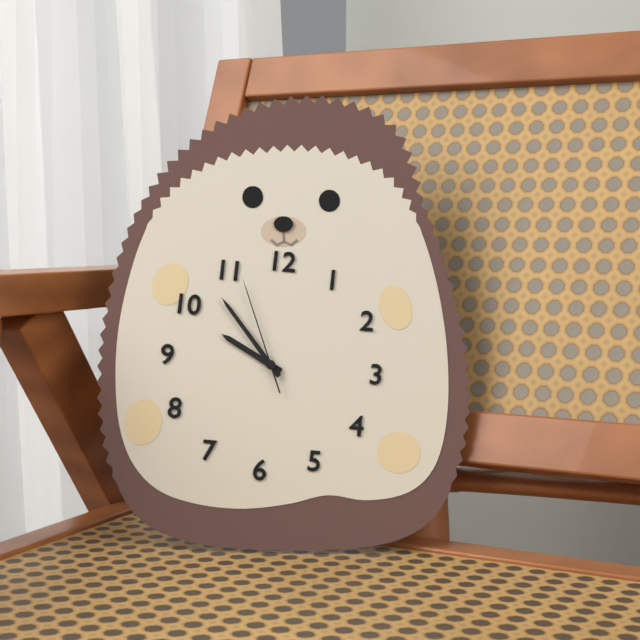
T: 9:53:56
